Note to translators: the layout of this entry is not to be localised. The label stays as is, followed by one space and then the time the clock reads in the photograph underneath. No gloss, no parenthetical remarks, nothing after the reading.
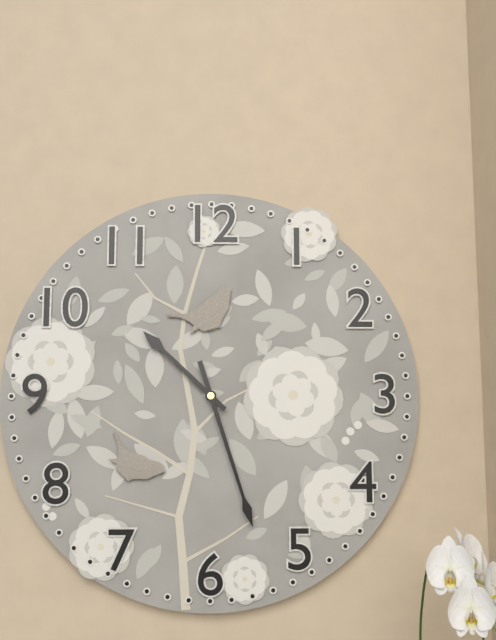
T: 10:27
